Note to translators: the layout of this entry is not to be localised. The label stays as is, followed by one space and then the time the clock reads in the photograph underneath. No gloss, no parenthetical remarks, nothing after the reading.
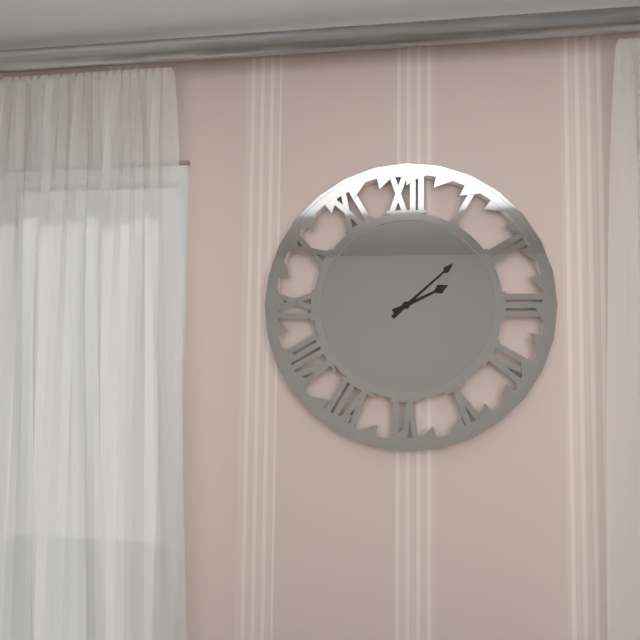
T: 2:08
